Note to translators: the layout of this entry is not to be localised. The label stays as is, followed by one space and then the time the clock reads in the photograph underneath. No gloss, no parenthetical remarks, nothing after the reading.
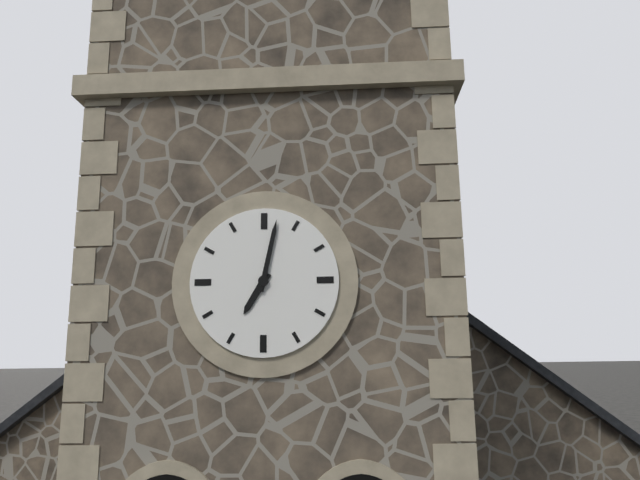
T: 7:02
